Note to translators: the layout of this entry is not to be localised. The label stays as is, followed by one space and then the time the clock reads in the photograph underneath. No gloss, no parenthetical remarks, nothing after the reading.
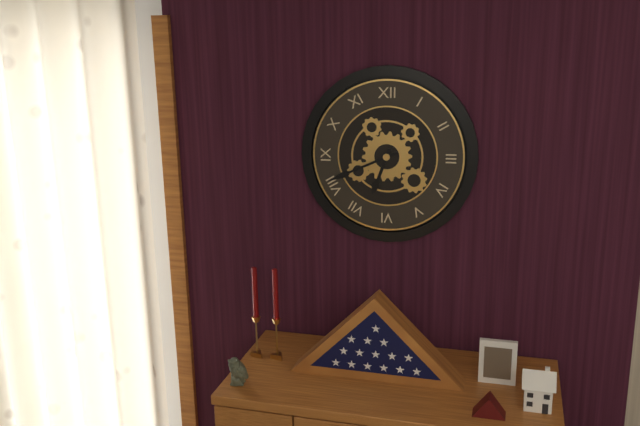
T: 6:41
